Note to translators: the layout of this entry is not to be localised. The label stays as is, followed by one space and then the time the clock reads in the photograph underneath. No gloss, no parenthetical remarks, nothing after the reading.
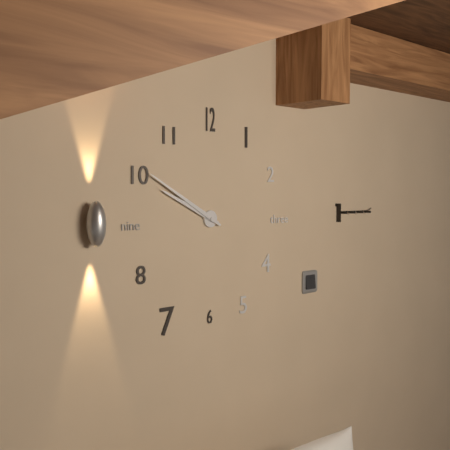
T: 9:50
